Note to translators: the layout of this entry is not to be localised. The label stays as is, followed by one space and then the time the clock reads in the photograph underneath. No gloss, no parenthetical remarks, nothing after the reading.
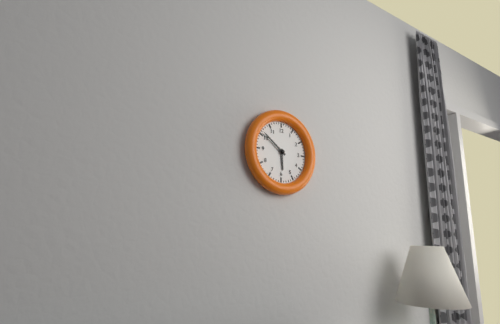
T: 5:51
